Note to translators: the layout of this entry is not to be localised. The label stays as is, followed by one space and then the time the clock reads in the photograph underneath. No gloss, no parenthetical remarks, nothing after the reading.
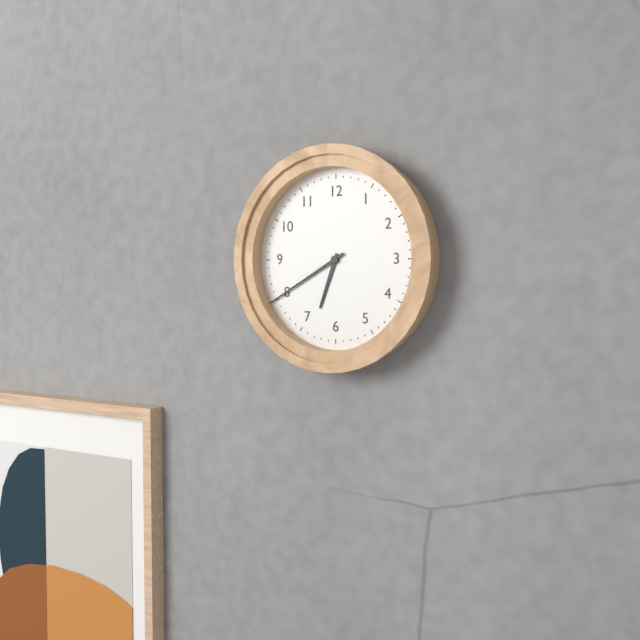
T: 6:40
